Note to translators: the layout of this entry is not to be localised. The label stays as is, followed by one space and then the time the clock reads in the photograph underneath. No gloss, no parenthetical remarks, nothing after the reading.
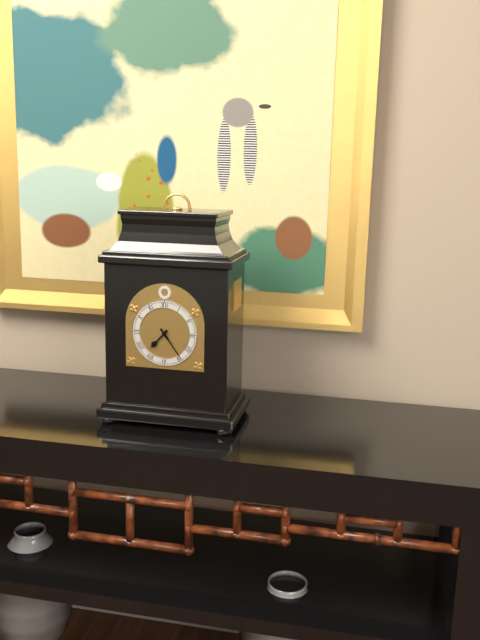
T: 7:24
